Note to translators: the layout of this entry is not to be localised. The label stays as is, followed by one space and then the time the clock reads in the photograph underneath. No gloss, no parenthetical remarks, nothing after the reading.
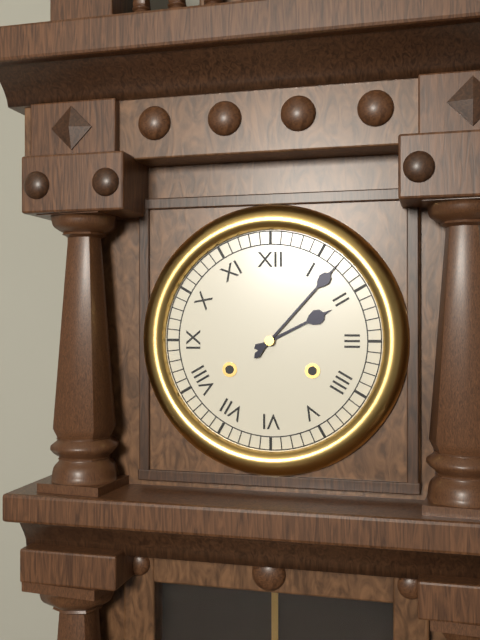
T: 2:07
